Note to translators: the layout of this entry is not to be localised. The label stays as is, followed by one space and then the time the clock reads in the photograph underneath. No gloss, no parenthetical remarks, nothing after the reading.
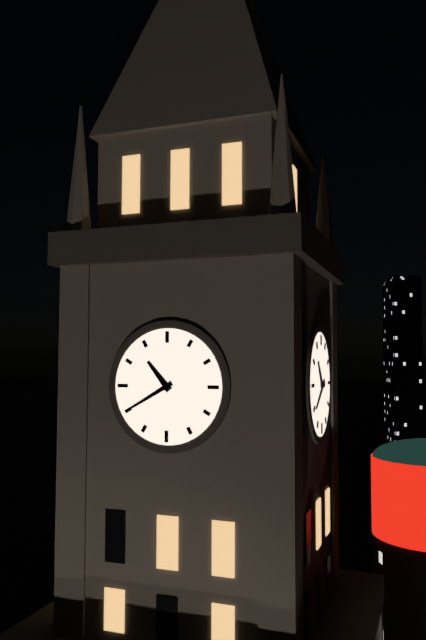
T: 10:40
